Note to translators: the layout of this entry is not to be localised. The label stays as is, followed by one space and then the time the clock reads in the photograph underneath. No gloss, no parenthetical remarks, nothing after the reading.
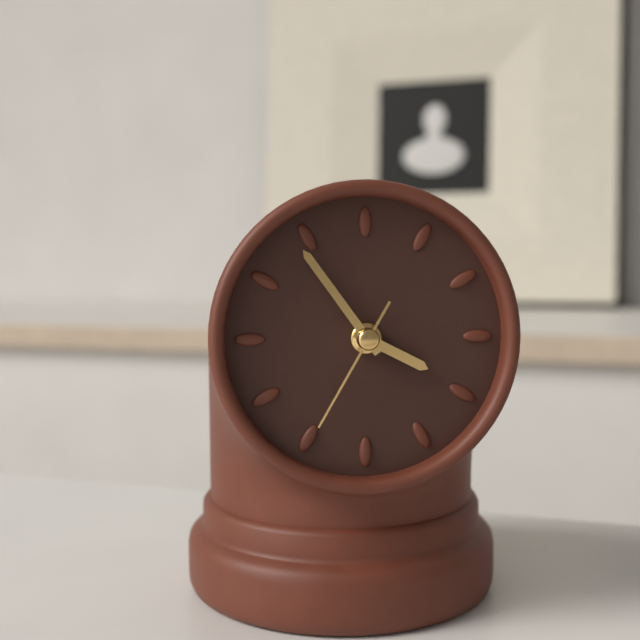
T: 3:54:35
